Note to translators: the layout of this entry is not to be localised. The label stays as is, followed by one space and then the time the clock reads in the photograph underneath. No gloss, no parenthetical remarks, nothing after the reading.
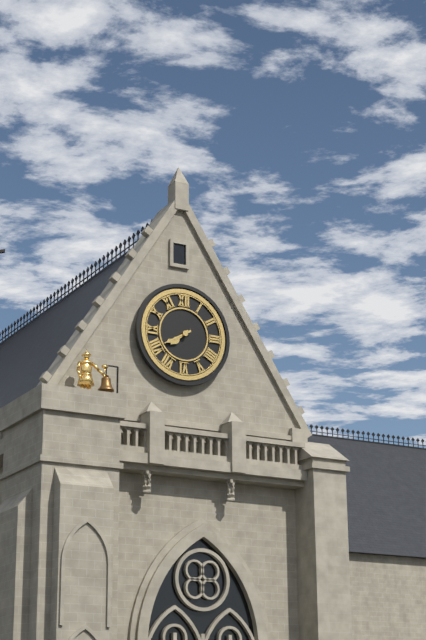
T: 7:40
